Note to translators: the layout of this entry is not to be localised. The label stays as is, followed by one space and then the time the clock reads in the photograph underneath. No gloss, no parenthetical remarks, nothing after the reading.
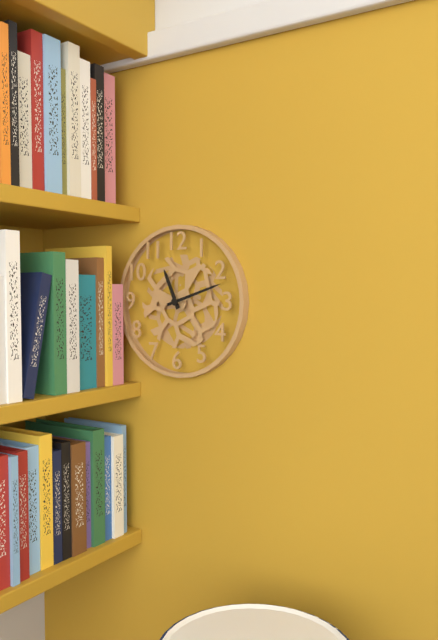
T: 11:12
